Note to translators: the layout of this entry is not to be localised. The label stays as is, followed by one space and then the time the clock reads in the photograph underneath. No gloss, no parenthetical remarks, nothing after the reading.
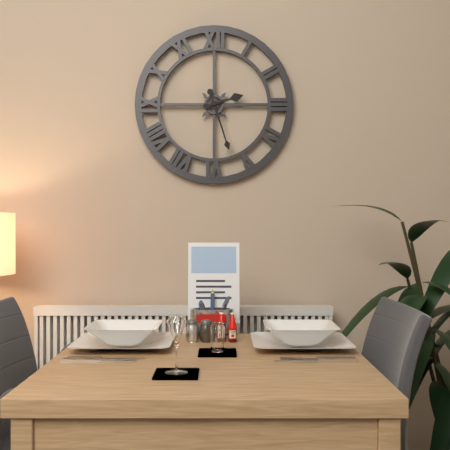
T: 2:27
